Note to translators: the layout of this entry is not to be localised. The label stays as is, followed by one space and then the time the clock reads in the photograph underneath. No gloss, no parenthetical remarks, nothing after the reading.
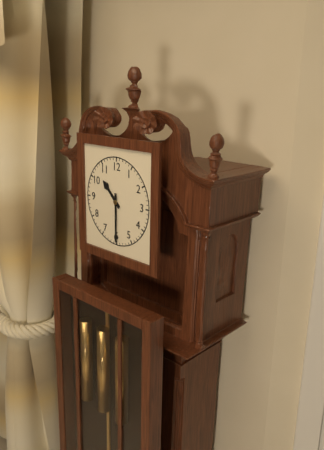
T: 10:30
